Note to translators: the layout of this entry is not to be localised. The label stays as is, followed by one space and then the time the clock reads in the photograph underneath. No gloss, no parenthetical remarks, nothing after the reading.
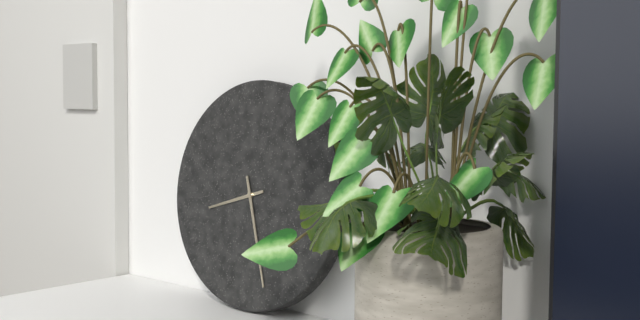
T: 8:27
